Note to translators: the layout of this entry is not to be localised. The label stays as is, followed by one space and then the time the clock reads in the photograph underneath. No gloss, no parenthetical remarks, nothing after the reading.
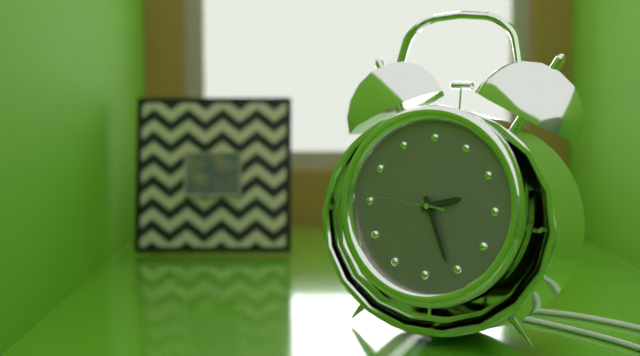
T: 2:26:46
